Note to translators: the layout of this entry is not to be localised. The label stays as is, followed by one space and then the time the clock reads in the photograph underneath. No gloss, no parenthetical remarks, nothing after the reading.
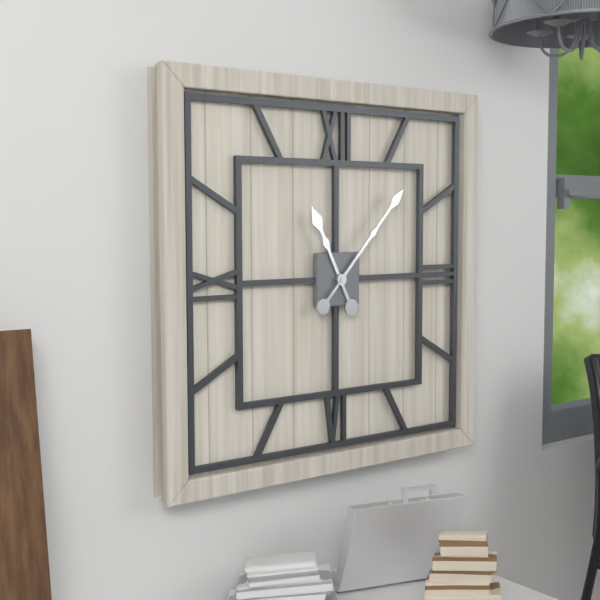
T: 11:07
